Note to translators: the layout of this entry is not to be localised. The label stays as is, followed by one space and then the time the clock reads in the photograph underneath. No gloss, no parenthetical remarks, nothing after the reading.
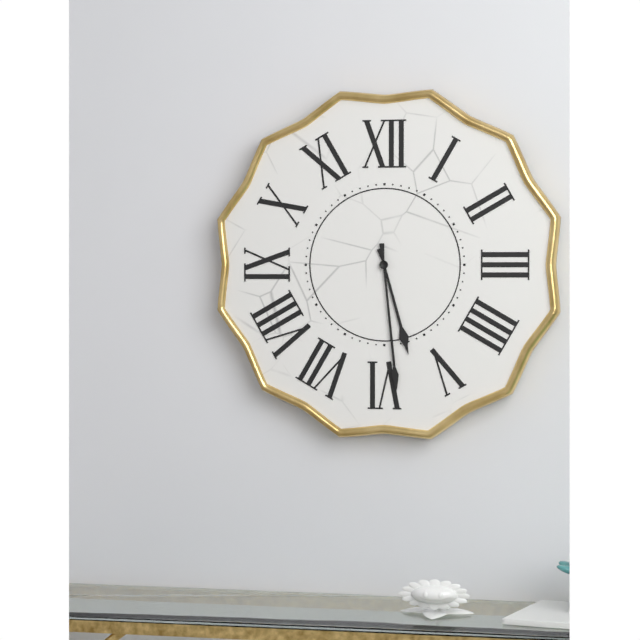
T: 5:29
